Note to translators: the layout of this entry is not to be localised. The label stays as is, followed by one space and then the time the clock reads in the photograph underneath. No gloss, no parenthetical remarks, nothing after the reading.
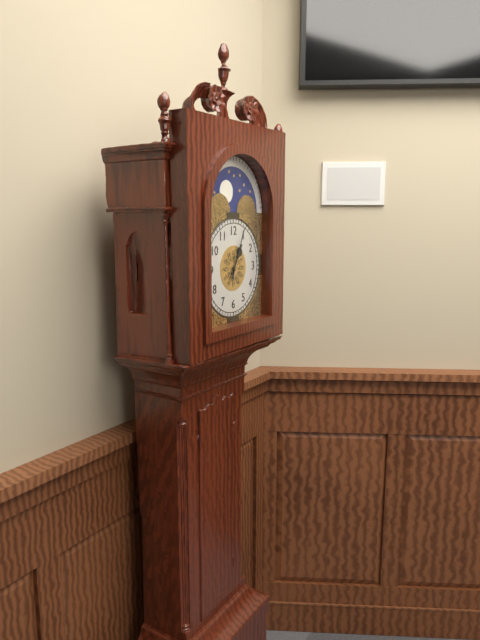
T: 1:04
